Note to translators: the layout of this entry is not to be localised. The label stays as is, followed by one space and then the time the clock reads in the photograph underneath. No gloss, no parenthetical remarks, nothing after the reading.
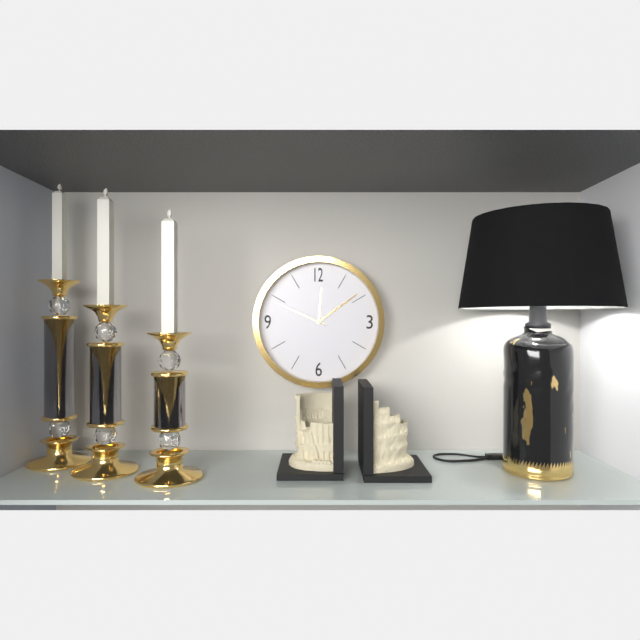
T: 12:09:49
